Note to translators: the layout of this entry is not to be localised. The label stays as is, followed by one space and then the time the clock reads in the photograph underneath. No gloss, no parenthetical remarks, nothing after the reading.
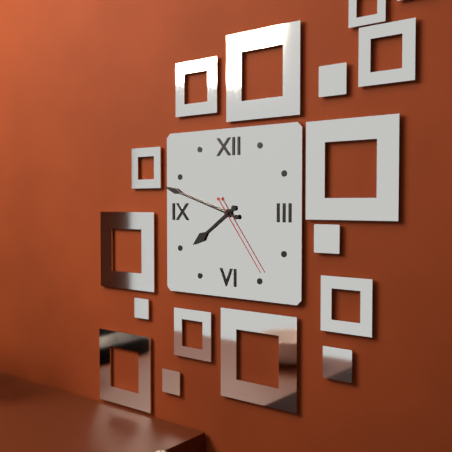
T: 7:48:24
